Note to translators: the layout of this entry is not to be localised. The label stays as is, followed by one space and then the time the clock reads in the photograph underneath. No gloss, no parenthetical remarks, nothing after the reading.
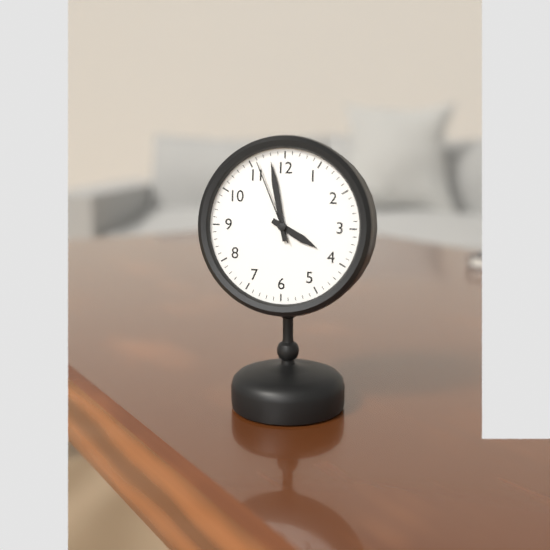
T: 3:58:56
